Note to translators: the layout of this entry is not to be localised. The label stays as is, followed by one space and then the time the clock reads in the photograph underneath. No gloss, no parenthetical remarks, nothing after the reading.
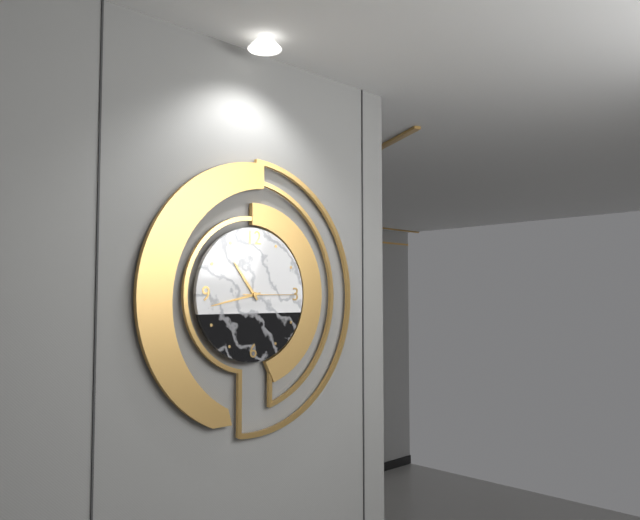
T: 10:43:15
